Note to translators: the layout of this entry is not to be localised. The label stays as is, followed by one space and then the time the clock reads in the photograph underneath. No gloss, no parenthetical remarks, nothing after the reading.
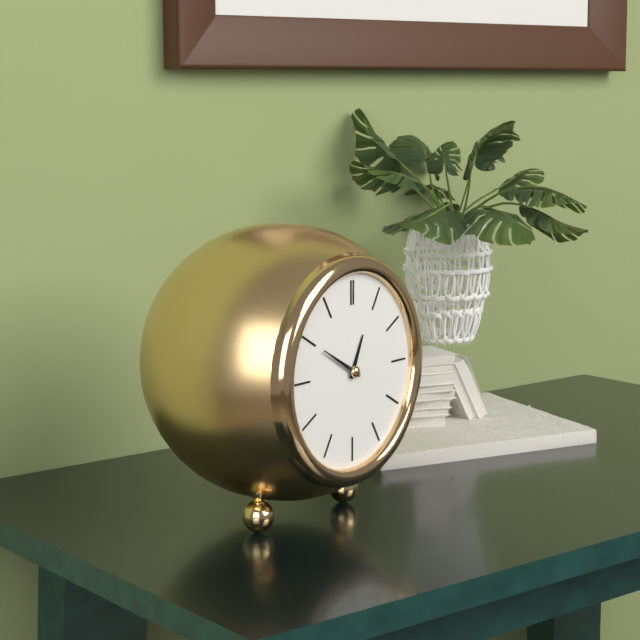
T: 12:50
